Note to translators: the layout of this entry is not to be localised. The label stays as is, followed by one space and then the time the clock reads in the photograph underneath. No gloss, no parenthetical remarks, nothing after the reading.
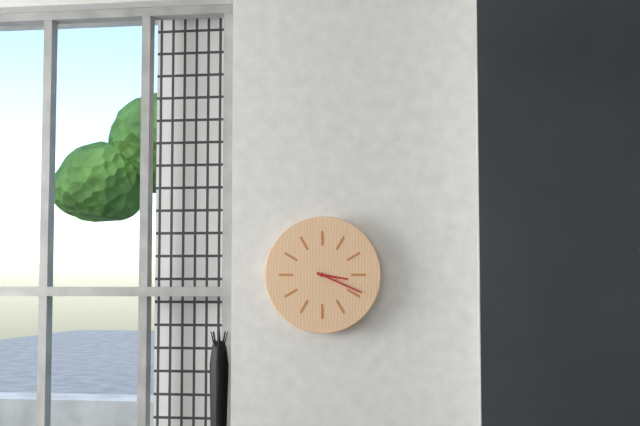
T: 3:19
